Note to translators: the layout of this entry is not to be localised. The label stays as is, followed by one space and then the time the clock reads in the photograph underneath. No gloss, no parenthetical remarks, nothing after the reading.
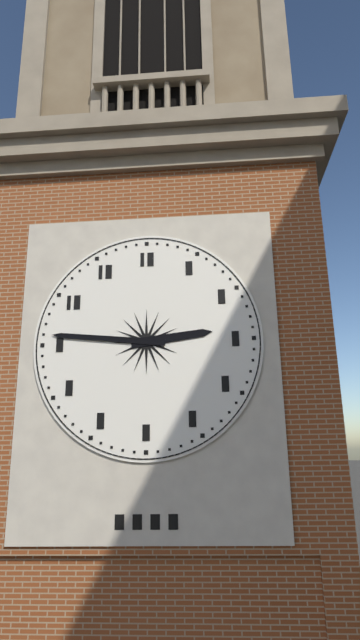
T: 2:46
